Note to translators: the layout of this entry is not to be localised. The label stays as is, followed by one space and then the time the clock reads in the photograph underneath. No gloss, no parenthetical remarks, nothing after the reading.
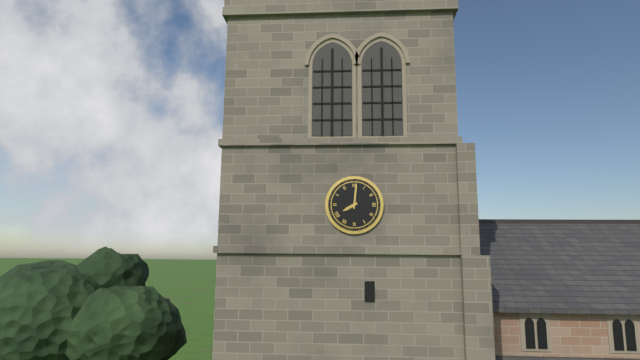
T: 8:01
